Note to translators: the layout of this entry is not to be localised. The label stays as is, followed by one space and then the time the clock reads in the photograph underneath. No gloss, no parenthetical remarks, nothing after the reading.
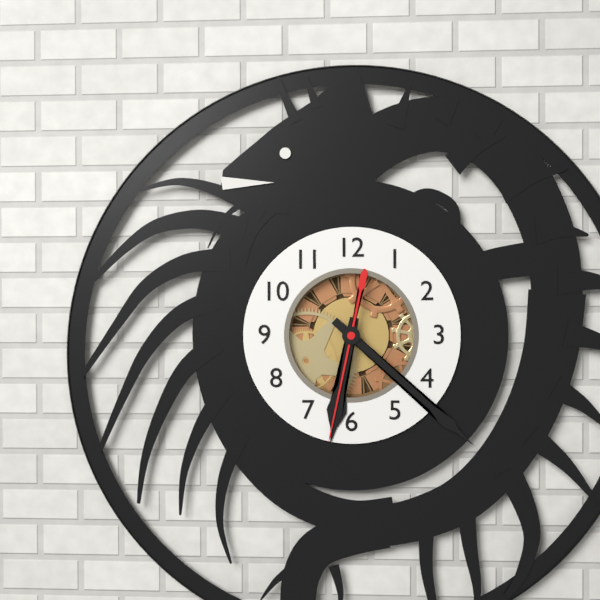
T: 6:22:32
